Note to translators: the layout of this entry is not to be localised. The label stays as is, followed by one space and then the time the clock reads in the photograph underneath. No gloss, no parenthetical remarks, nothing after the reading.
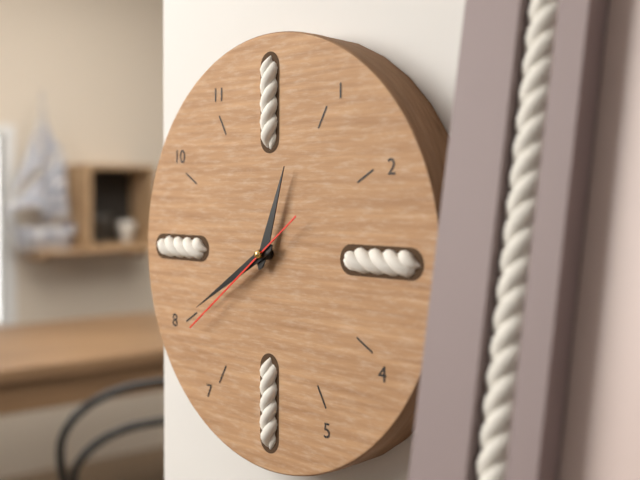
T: 12:40:39
